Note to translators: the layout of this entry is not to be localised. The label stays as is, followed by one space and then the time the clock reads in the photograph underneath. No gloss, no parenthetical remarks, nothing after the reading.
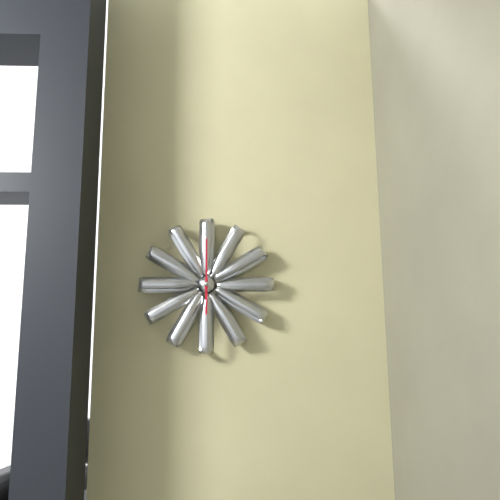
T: 6:00
